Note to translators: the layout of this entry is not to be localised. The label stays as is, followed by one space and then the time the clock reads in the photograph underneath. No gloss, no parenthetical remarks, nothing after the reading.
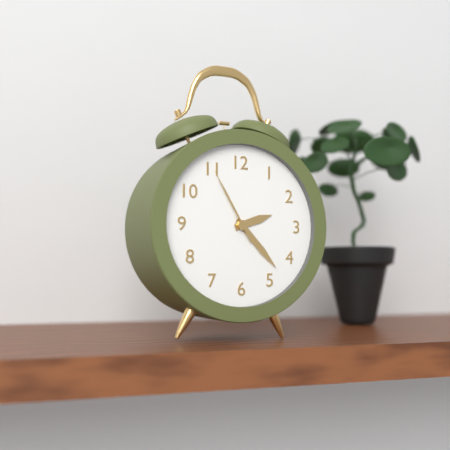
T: 2:23:55
